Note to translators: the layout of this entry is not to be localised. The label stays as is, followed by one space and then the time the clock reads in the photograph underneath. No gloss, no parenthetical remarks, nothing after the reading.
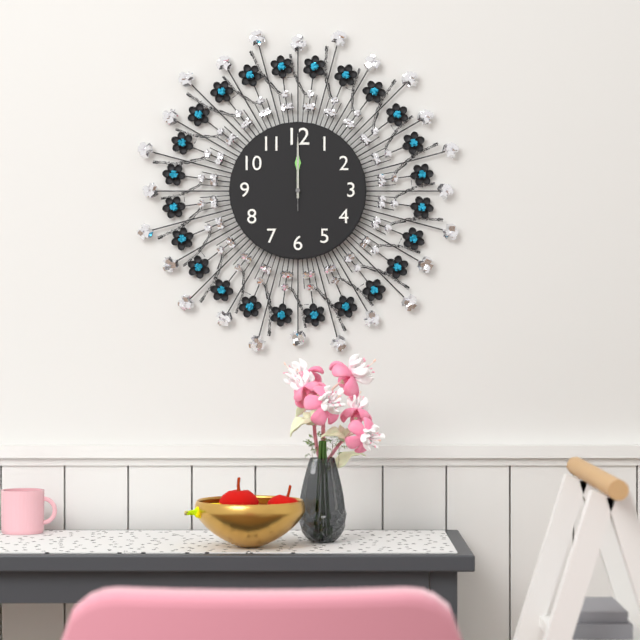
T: 12:00:00
